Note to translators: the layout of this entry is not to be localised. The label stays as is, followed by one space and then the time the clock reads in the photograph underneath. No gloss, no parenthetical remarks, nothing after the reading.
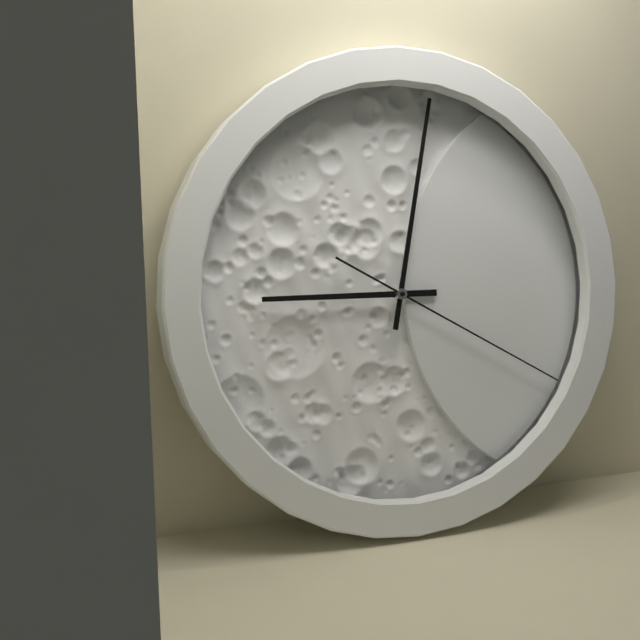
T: 9:02:20
